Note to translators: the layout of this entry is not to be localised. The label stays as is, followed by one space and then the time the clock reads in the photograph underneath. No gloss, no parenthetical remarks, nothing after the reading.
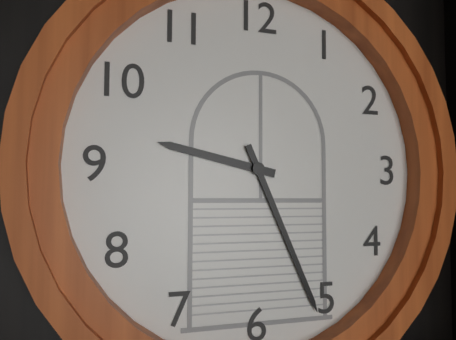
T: 9:26
